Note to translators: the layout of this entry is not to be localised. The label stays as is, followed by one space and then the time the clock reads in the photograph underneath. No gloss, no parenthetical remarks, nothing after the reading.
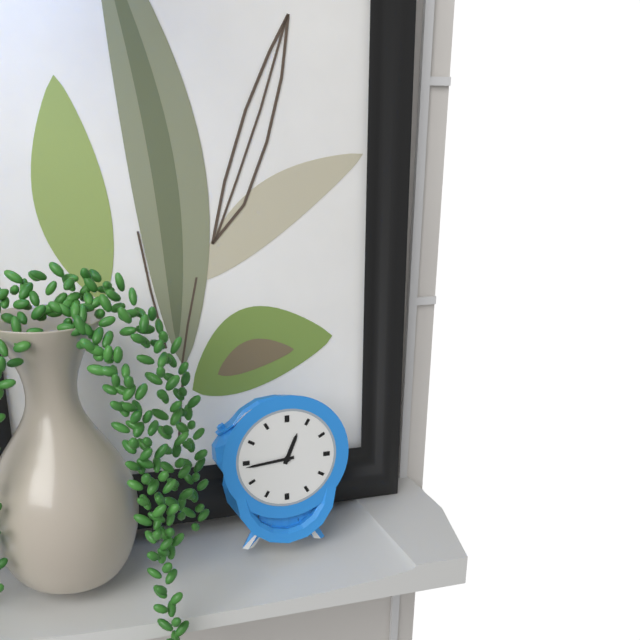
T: 12:44
